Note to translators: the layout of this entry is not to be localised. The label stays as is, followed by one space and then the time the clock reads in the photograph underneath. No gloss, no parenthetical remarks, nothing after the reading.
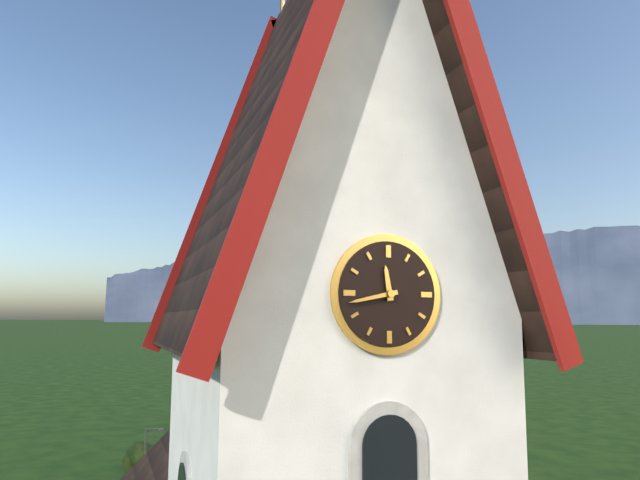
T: 11:43
